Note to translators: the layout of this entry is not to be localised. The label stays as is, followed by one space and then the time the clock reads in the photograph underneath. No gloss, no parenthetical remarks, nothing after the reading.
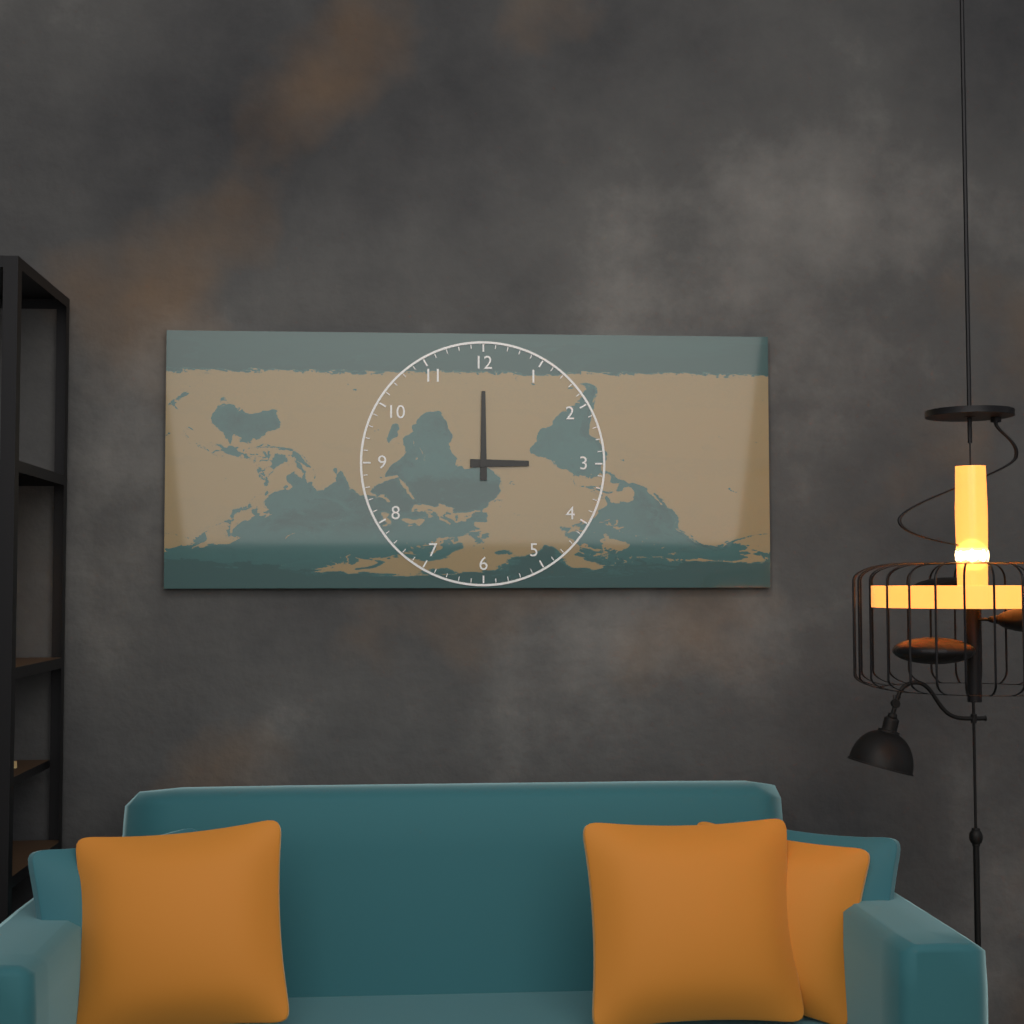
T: 3:00
